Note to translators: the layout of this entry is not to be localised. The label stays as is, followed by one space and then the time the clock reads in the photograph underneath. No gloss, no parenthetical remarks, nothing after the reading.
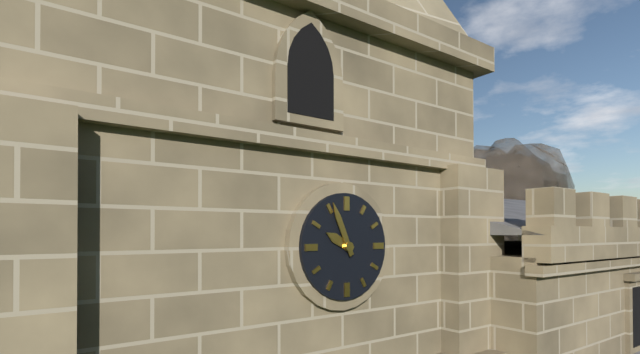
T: 9:56
